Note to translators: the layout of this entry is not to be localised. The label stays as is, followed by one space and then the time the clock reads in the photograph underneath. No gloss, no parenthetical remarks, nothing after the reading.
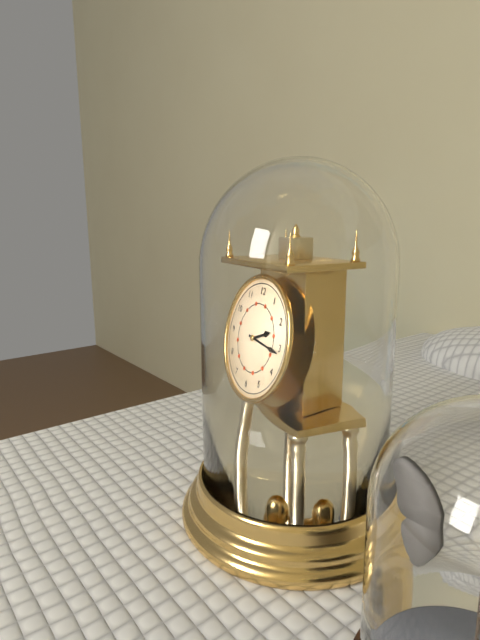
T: 2:16
